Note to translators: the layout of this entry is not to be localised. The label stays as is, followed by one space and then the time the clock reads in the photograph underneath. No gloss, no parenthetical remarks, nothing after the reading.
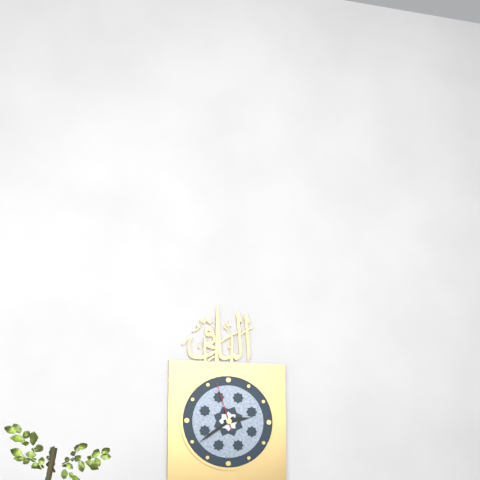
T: 2:39
